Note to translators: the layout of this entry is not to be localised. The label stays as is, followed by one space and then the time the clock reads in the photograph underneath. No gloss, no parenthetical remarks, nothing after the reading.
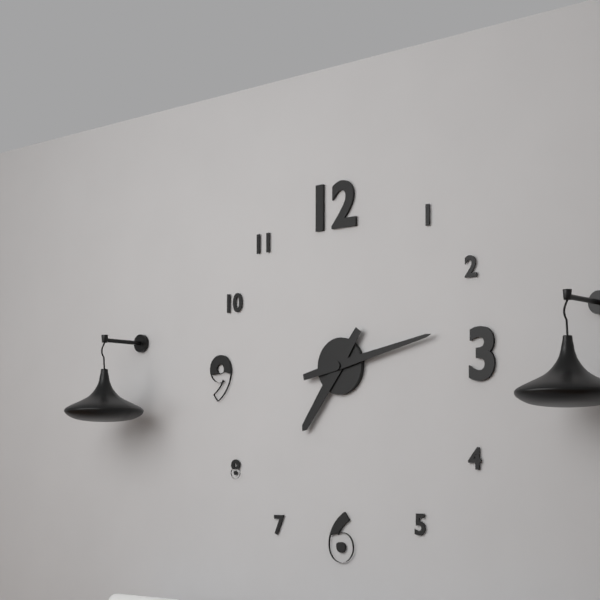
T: 7:13
